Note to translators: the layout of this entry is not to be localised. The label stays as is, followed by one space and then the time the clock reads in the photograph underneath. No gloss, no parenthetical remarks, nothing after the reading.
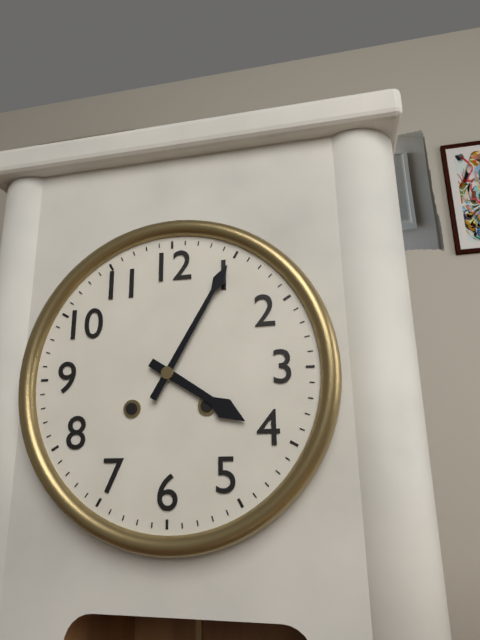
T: 4:05
